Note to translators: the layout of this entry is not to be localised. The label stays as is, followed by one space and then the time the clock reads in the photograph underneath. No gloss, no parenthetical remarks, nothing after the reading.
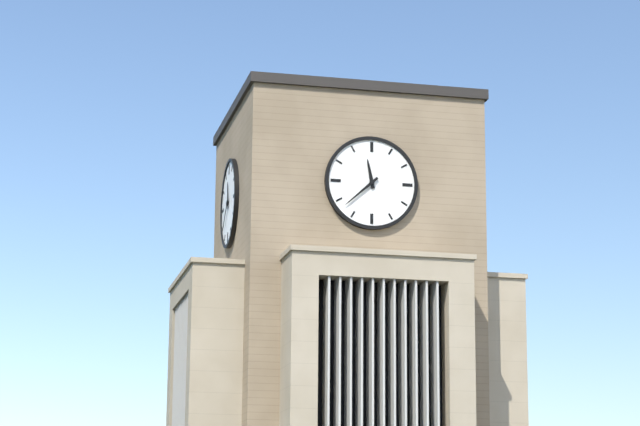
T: 11:38
